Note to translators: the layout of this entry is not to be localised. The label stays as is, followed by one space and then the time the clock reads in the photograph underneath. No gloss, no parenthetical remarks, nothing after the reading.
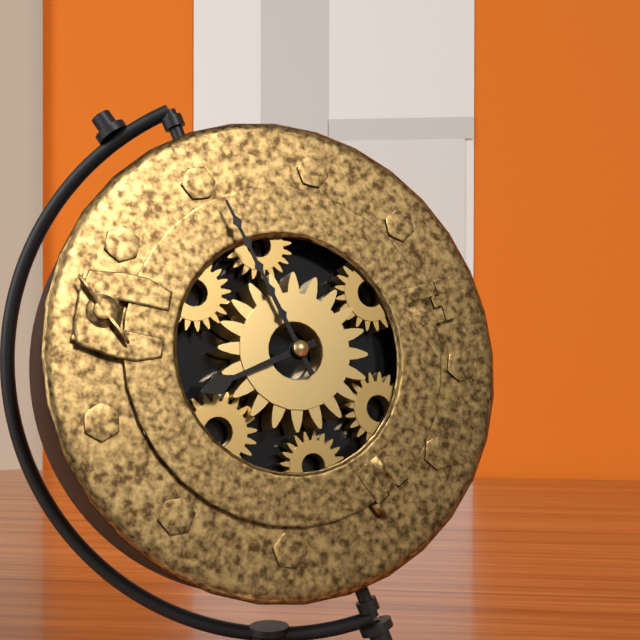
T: 7:54
